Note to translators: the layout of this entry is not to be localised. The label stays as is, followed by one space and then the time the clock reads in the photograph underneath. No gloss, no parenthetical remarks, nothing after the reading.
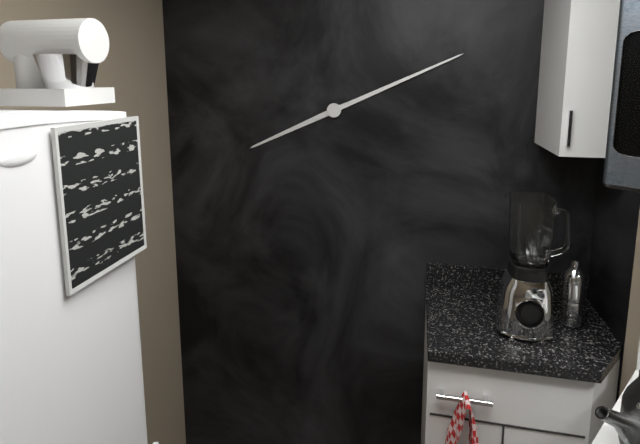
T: 8:11
